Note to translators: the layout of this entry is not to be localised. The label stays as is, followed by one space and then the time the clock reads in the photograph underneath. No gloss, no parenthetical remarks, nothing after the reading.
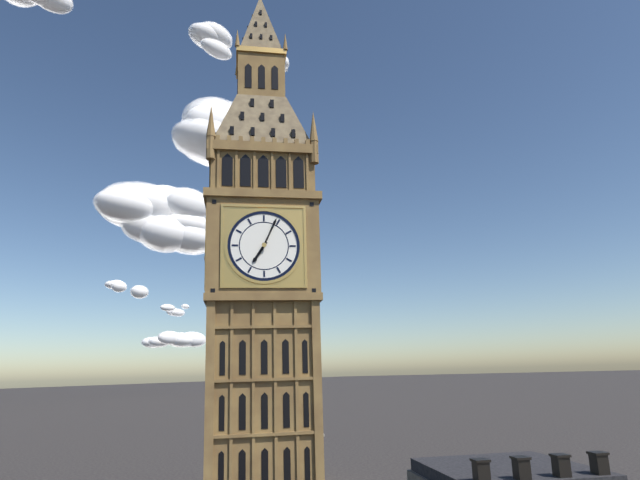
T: 7:04
